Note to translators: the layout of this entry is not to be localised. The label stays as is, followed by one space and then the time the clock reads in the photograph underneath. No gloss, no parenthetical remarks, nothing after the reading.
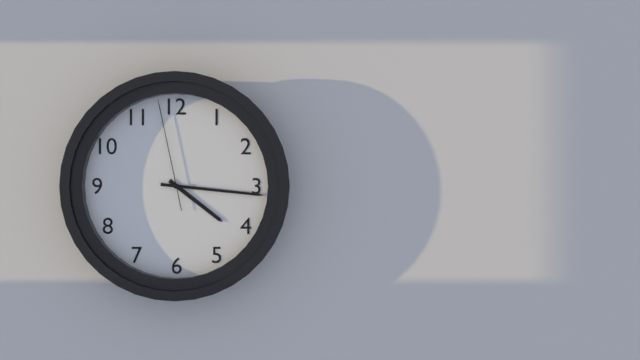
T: 4:16:58
